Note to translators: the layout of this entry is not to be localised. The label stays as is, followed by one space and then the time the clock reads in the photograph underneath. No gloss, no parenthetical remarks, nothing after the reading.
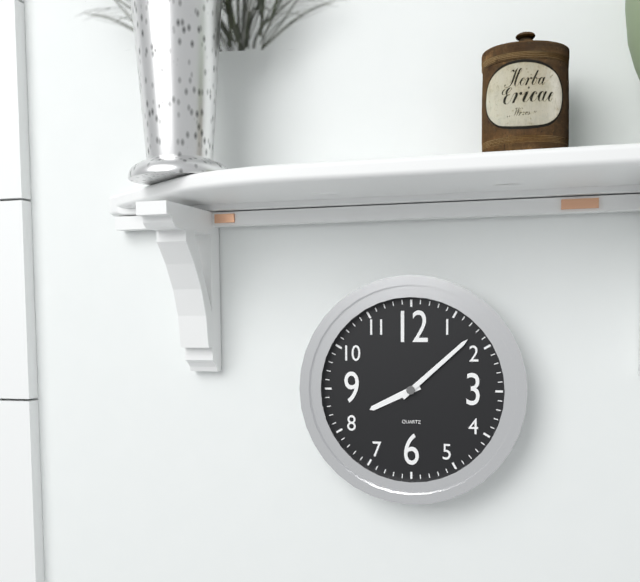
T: 8:08
